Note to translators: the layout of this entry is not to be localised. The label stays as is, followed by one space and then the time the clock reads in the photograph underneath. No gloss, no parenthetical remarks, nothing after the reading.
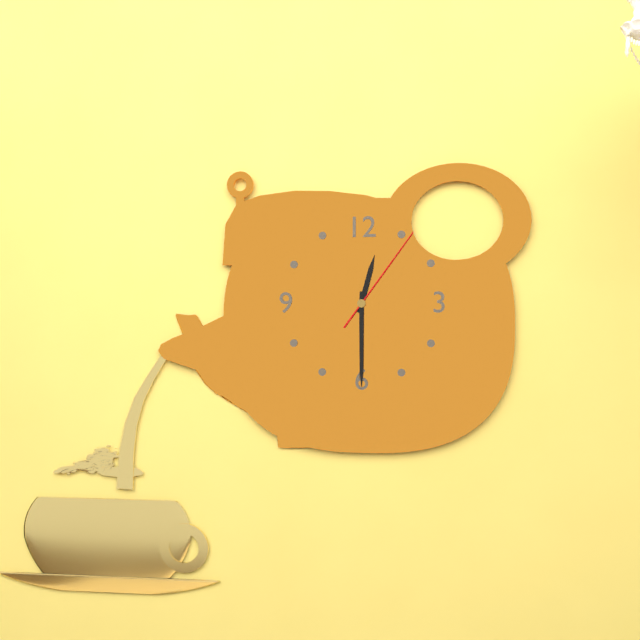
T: 12:30:06
